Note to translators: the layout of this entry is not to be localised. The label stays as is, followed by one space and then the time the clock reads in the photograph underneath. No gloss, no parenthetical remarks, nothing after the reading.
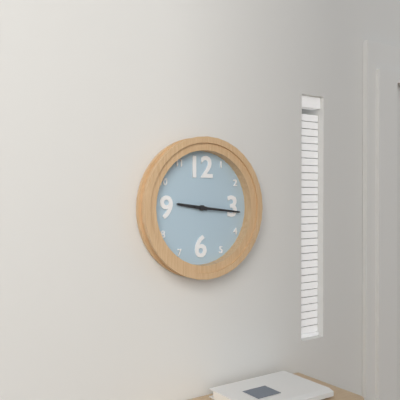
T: 9:16
